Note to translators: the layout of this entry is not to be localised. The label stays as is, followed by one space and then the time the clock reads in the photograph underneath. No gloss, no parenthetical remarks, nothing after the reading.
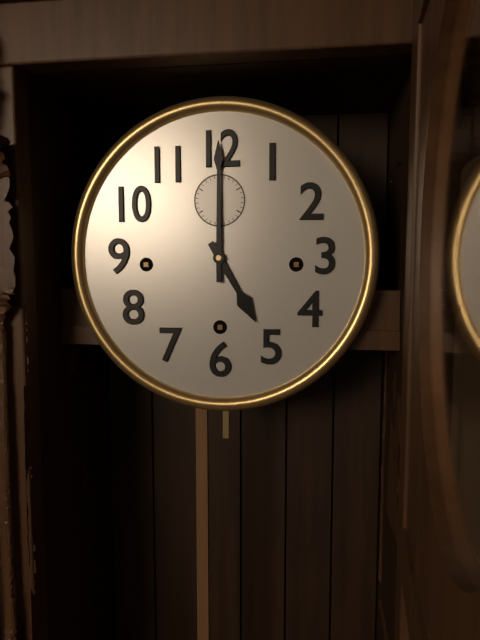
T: 5:00
